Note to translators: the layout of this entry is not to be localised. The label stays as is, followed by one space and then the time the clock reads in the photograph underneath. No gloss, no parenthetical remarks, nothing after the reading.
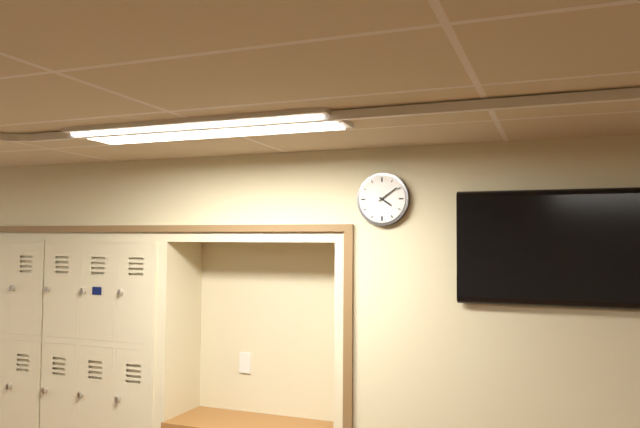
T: 4:09
